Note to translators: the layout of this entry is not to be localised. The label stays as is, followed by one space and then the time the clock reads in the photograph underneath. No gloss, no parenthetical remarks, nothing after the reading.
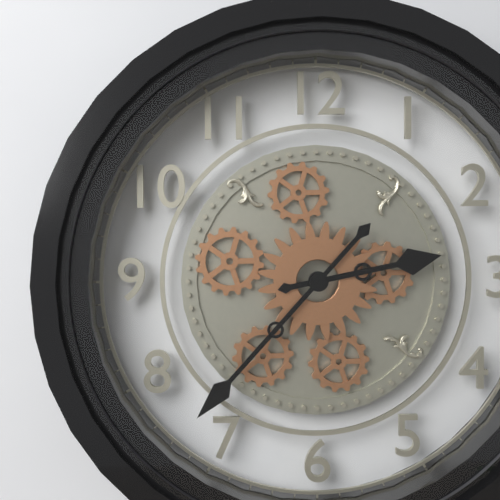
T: 2:37
